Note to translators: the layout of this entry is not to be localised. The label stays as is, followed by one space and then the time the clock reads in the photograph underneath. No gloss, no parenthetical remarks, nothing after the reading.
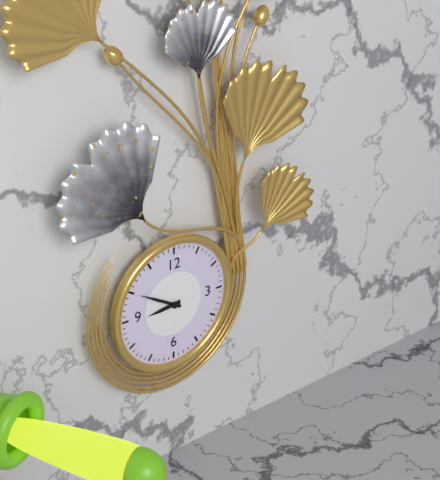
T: 8:50
